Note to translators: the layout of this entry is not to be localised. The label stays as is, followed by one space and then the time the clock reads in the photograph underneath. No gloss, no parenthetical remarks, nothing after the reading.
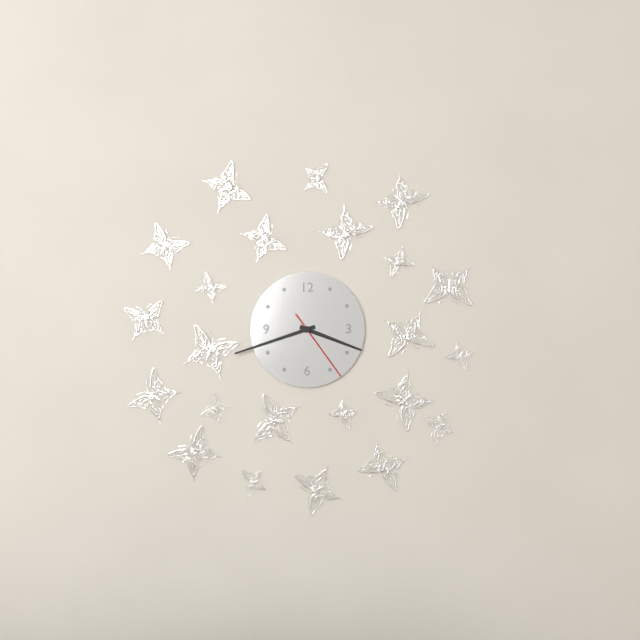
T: 3:42:24
